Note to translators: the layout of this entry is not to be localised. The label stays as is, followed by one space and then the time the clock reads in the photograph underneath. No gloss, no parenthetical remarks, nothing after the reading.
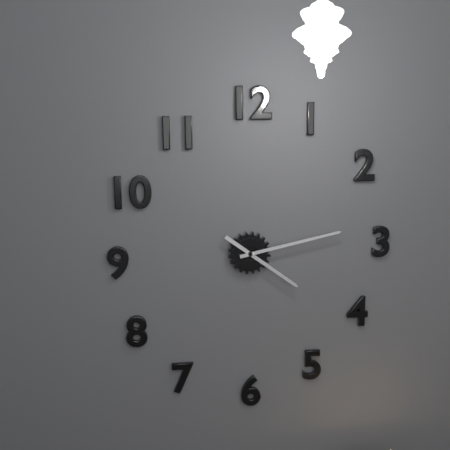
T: 4:13
